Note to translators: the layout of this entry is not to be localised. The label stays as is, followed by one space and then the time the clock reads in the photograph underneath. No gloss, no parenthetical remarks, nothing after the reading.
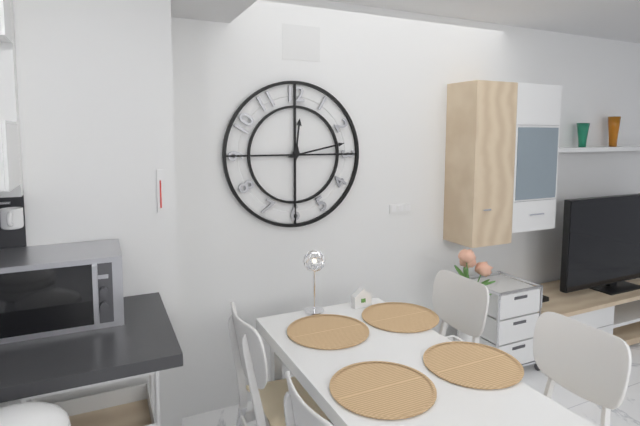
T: 12:13
